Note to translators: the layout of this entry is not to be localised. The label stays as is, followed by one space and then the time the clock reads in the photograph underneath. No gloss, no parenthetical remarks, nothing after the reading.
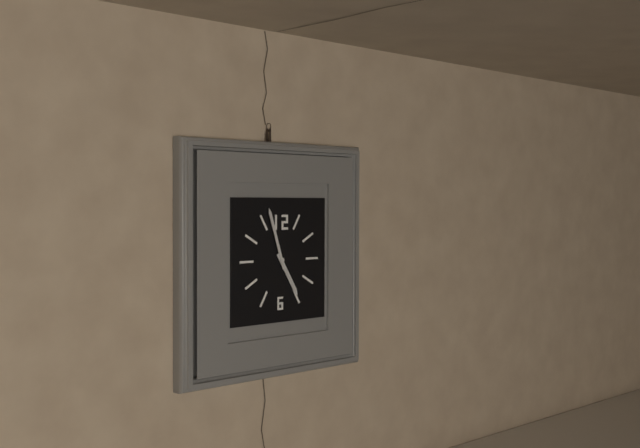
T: 4:57
